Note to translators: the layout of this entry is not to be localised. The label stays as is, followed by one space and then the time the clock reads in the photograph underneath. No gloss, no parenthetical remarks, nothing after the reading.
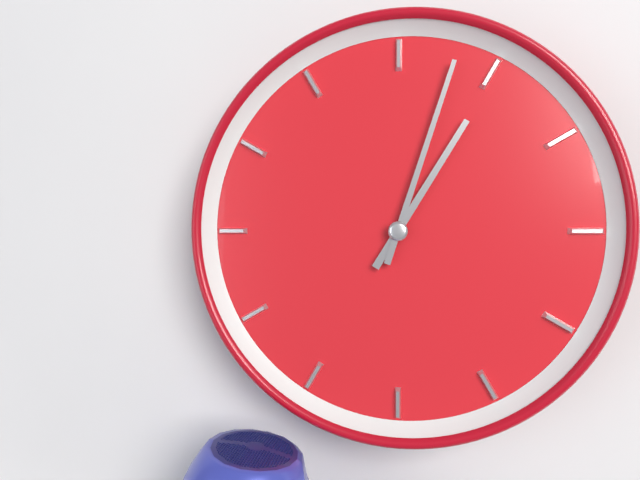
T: 1:03
